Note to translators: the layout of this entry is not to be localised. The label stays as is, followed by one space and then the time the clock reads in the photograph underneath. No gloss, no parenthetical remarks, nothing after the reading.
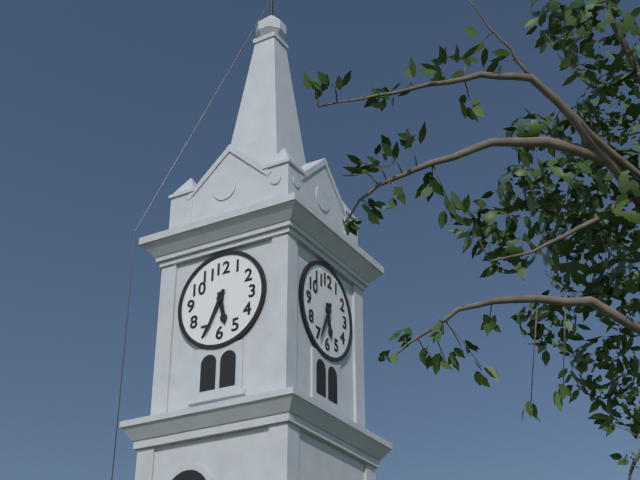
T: 5:34
